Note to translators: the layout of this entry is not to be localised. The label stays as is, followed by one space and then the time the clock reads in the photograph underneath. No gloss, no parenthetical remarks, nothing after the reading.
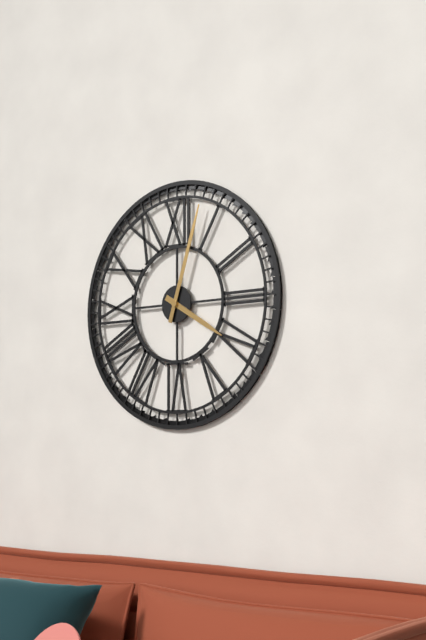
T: 4:03
